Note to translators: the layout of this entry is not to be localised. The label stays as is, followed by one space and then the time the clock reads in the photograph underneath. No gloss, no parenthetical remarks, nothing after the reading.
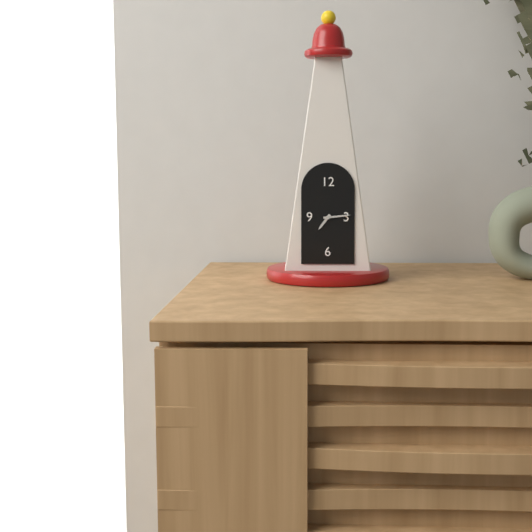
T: 7:14
